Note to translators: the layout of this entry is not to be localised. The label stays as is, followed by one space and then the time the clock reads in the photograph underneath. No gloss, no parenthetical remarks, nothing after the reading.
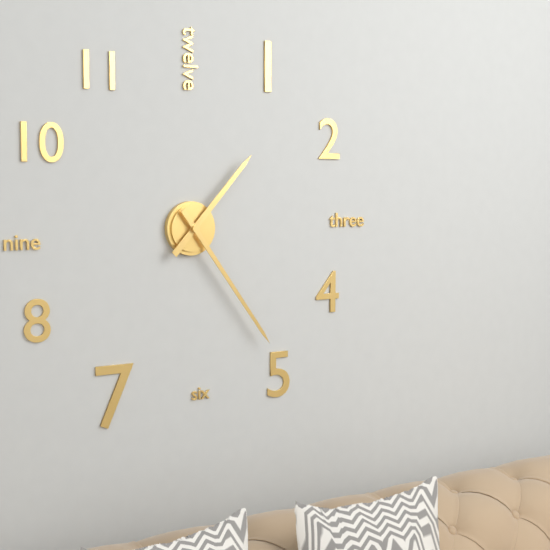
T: 1:24
